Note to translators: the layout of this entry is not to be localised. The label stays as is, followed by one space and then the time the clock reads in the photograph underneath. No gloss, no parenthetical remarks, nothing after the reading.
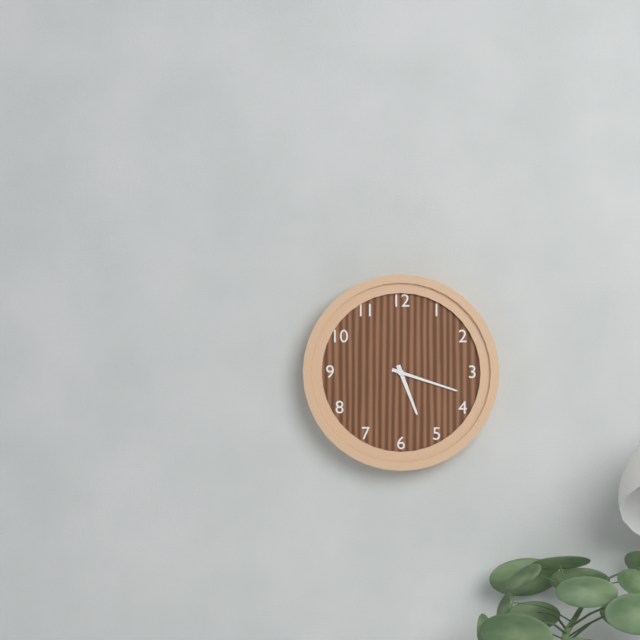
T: 5:18
